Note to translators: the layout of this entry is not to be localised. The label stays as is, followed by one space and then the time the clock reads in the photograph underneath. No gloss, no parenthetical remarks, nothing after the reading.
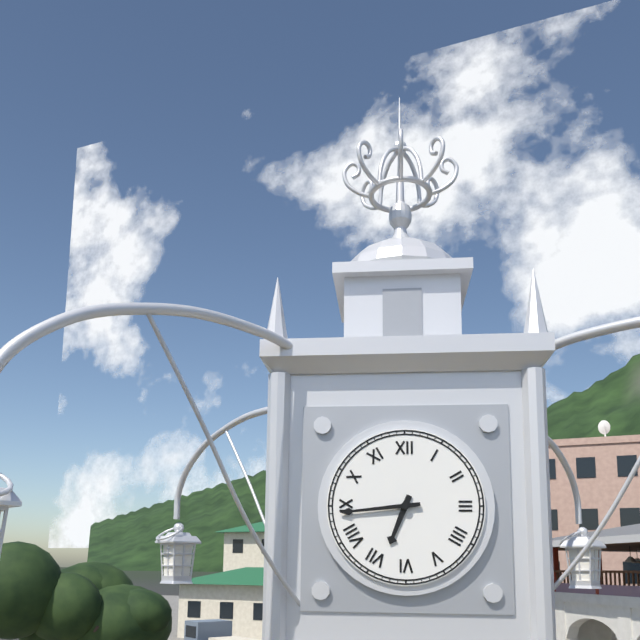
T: 6:44
